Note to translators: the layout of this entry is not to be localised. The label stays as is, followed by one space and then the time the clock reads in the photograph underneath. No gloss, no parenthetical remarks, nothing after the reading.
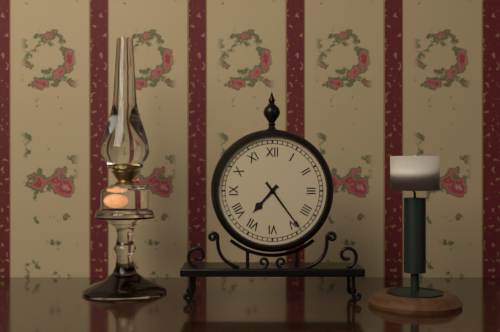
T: 7:24
